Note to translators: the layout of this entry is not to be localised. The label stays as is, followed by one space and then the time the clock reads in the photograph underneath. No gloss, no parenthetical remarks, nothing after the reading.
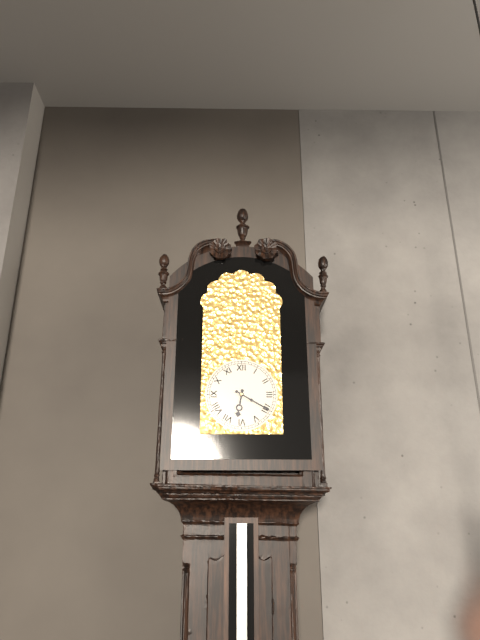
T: 6:20
